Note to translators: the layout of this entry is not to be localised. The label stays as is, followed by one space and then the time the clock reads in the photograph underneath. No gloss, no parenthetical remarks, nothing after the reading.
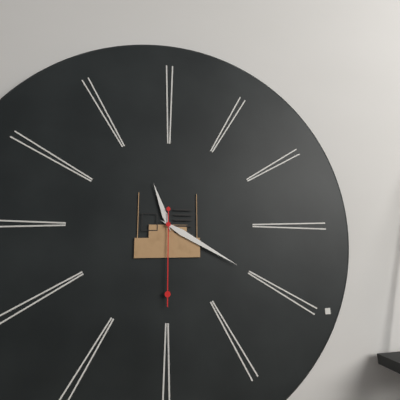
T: 11:20:30
